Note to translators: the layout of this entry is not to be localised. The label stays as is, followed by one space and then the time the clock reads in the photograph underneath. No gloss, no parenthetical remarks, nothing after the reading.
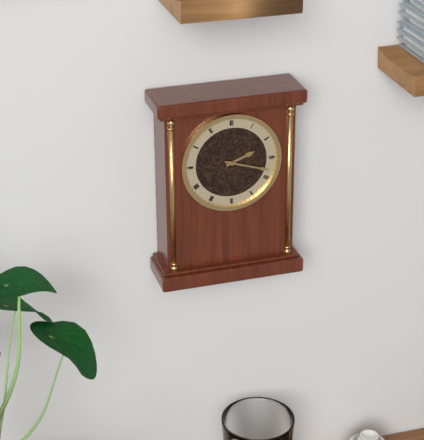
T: 2:18
